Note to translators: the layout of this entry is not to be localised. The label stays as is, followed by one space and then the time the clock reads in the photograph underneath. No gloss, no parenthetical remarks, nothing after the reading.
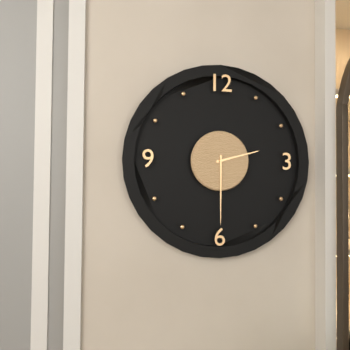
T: 2:30
